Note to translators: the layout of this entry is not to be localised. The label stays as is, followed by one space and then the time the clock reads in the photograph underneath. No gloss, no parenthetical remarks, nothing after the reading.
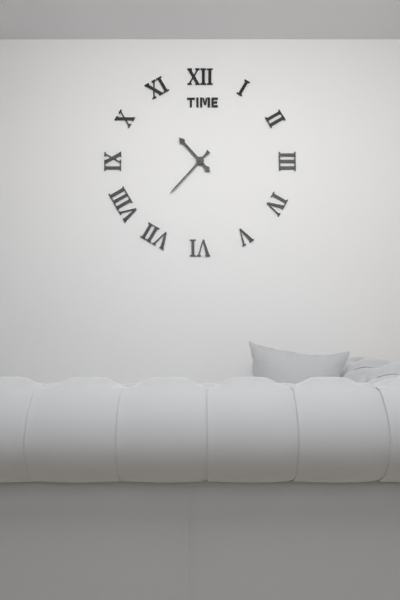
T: 10:37
